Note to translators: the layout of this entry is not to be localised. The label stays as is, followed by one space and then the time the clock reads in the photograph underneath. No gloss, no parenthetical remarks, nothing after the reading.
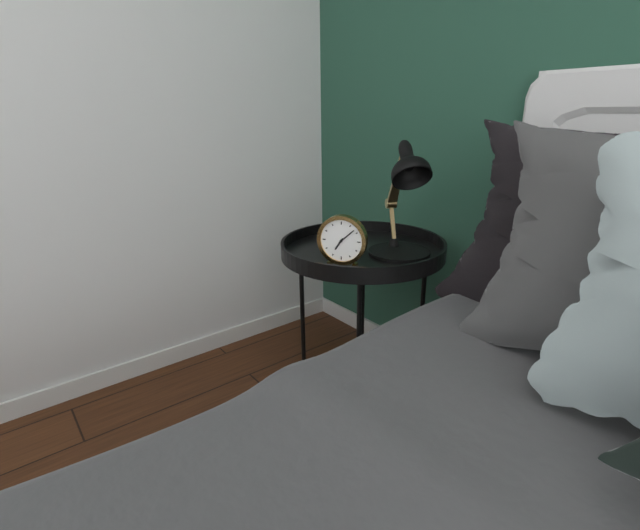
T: 7:08
